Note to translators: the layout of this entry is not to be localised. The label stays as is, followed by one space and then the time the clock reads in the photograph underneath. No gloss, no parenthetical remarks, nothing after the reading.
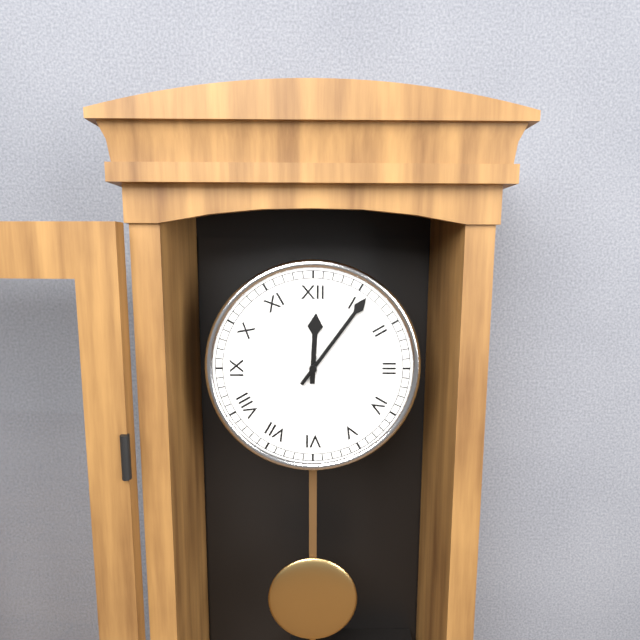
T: 12:06
